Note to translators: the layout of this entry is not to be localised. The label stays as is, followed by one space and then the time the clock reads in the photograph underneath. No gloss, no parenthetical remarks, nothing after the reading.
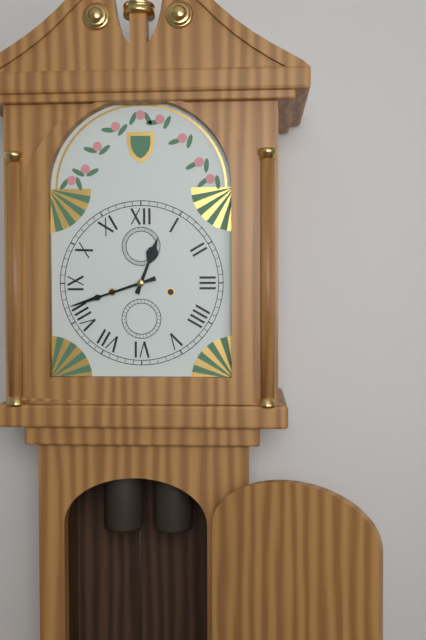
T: 12:42
